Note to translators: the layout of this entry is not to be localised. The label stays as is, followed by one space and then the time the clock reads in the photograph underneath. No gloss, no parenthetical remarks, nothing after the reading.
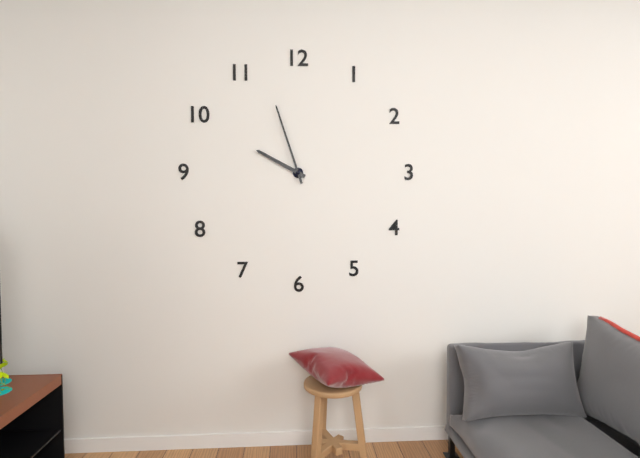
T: 9:57
